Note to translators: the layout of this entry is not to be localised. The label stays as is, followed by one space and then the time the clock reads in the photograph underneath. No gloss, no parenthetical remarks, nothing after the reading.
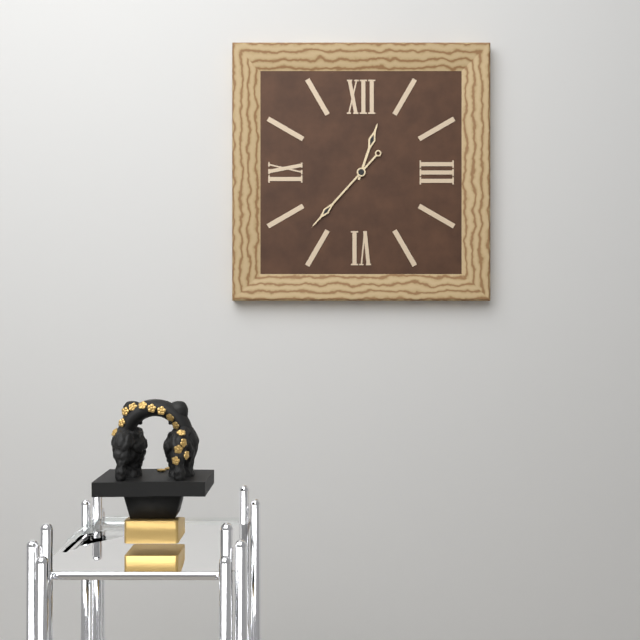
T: 12:37
